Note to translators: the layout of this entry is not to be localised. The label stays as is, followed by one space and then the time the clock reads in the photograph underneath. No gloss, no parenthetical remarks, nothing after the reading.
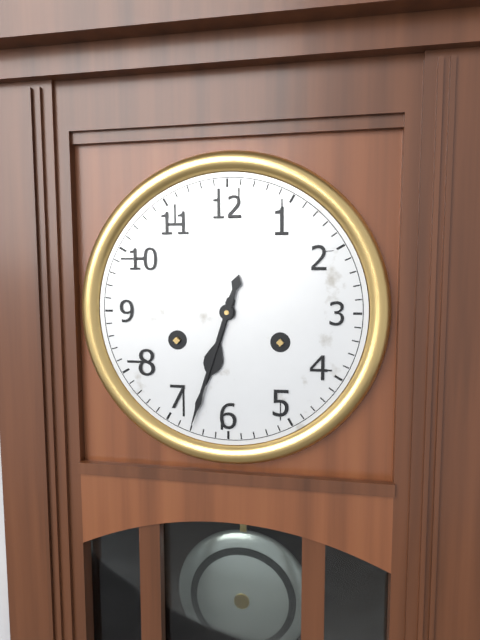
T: 6:33
